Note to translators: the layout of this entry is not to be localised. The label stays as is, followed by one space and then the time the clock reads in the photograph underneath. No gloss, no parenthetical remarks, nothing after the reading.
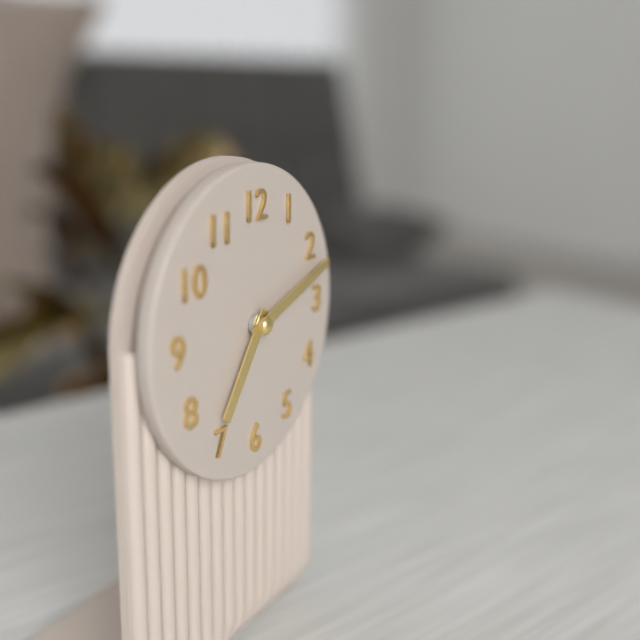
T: 7:12
